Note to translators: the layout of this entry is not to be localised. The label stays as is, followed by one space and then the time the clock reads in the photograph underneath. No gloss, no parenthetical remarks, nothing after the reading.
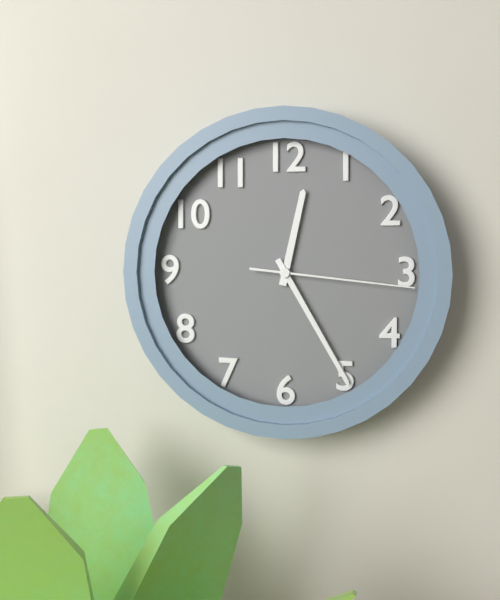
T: 12:25:16
